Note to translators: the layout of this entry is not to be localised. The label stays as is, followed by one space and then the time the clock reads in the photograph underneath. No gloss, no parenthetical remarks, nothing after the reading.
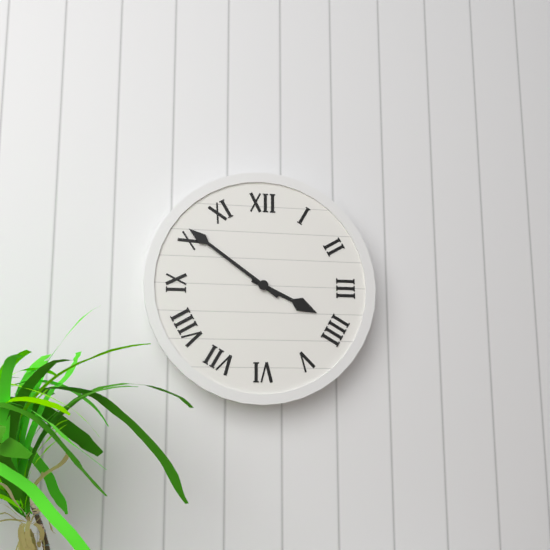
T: 3:51
